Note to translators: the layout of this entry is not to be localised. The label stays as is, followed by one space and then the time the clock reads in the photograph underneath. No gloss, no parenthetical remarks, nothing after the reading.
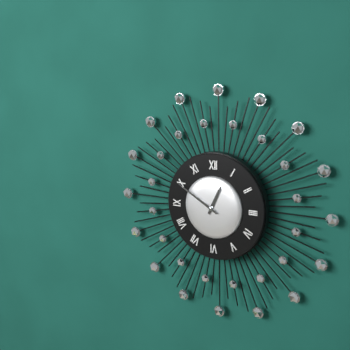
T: 12:50
